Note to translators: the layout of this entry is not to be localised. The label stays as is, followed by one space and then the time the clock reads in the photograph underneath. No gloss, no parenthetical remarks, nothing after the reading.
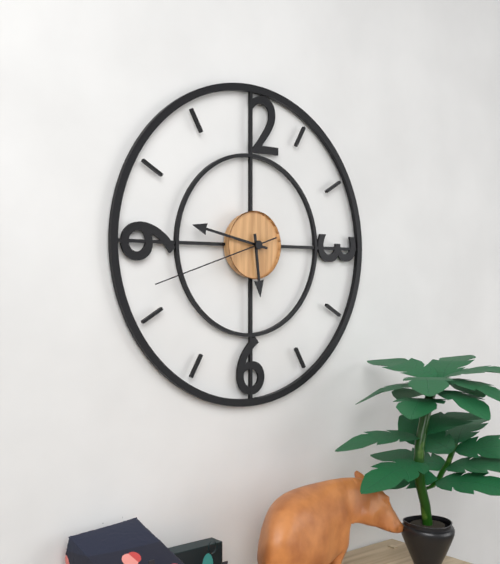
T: 5:47:42
